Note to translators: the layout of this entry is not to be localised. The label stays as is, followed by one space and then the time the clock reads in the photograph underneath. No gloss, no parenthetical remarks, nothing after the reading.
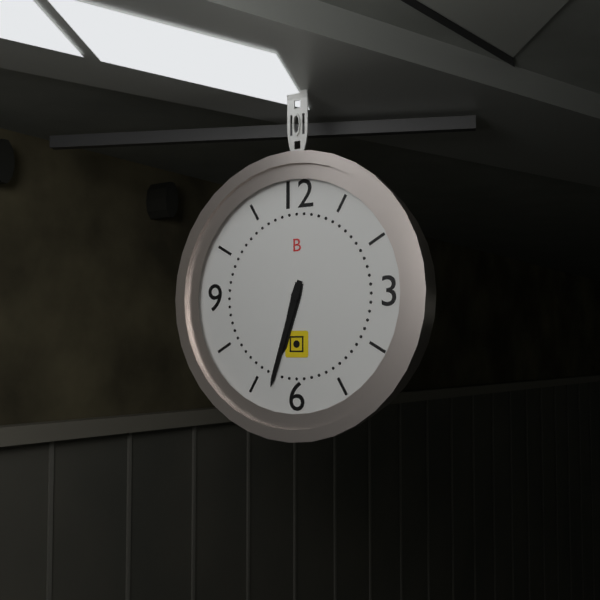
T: 6:33
